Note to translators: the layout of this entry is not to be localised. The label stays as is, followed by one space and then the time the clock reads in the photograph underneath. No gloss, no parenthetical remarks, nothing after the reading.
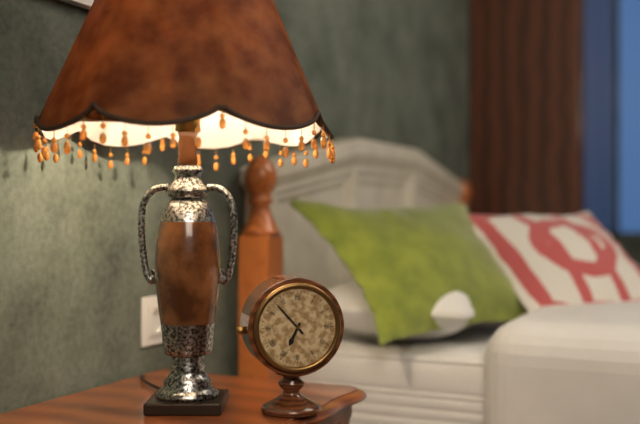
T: 6:53
